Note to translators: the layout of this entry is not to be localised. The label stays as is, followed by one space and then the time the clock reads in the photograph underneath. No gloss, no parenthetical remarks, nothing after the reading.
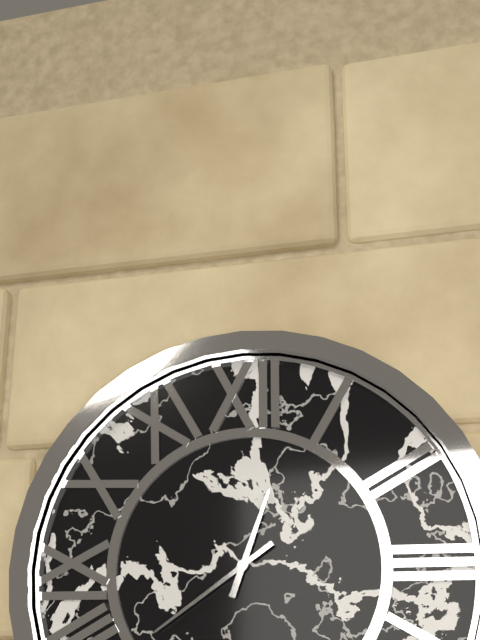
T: 12:39
